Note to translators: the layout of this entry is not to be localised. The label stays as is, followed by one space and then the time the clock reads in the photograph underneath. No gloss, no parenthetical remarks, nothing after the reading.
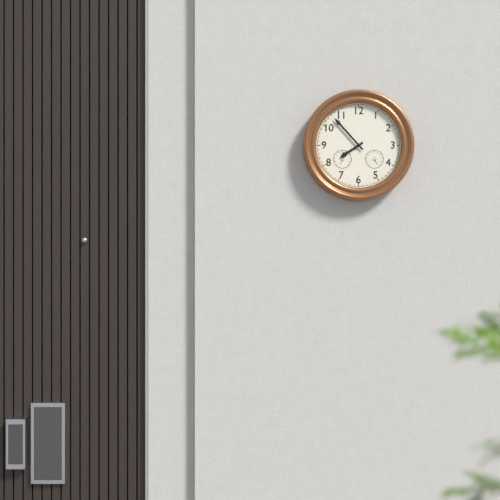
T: 7:53
